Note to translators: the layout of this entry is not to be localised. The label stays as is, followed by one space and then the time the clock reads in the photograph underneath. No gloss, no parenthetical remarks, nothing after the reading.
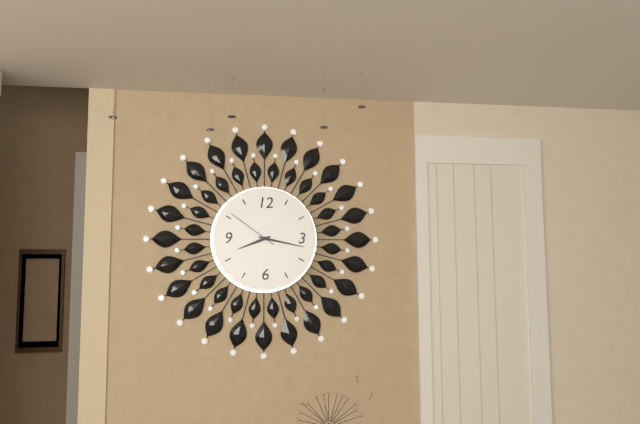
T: 8:17:51
